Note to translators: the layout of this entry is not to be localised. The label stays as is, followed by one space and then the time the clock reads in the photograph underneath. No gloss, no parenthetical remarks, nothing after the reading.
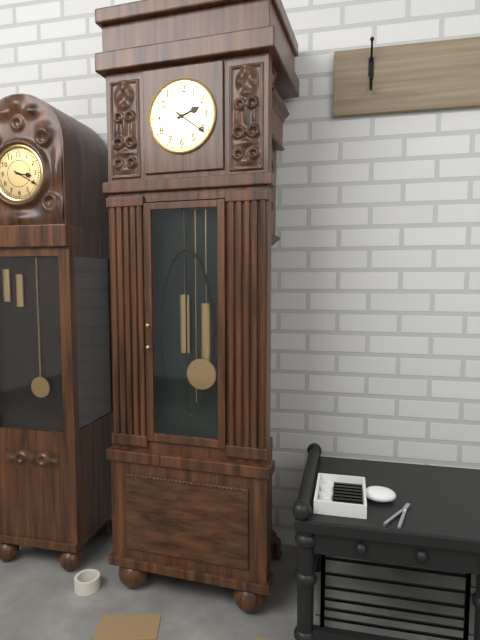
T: 2:21
